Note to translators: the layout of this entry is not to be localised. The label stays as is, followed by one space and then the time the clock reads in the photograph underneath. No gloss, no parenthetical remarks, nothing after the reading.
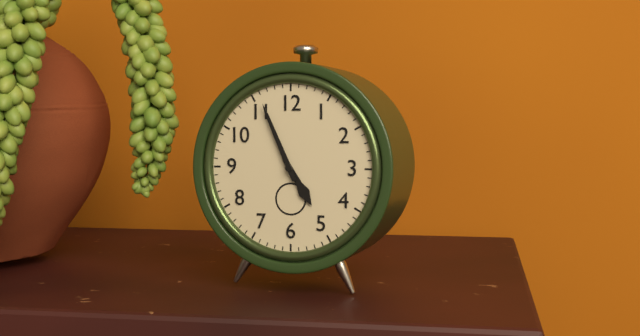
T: 4:56
